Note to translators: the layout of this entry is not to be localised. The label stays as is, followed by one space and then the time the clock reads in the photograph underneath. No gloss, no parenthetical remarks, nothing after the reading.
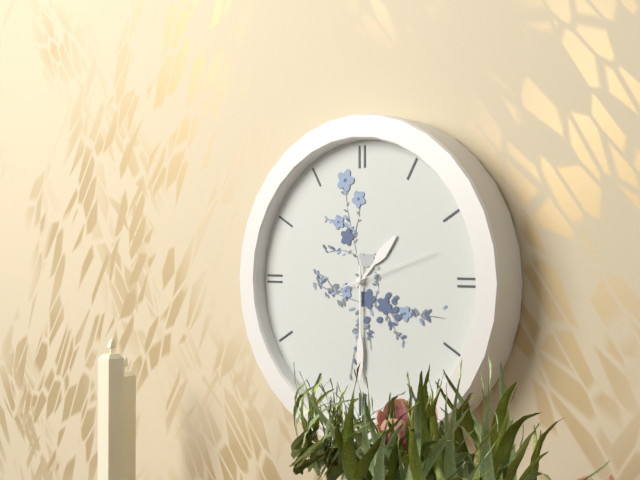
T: 1:30:12
